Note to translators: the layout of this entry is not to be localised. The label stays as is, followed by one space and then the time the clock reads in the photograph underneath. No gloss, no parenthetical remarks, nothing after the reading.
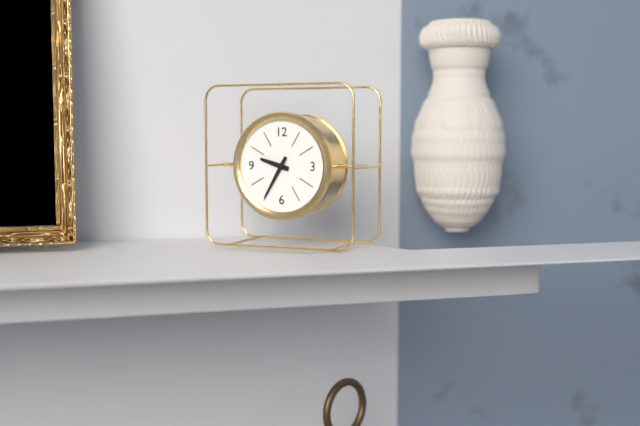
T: 9:35
